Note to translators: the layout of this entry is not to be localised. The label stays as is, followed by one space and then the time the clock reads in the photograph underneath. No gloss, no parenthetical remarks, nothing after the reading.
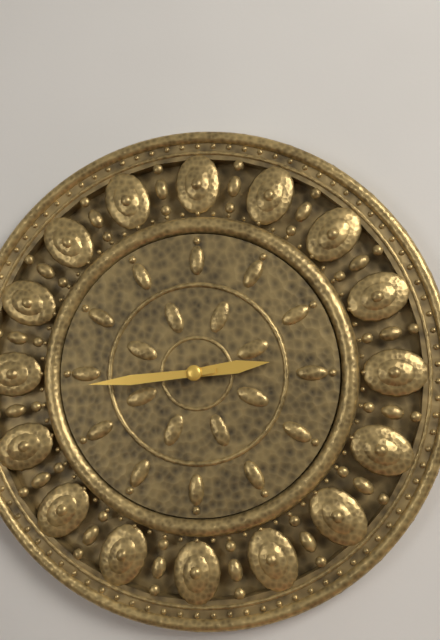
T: 2:44
